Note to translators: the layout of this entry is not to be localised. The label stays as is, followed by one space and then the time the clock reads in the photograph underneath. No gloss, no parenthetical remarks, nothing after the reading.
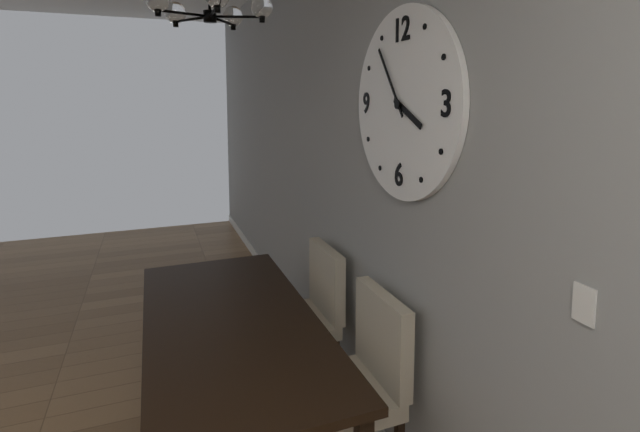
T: 3:54
